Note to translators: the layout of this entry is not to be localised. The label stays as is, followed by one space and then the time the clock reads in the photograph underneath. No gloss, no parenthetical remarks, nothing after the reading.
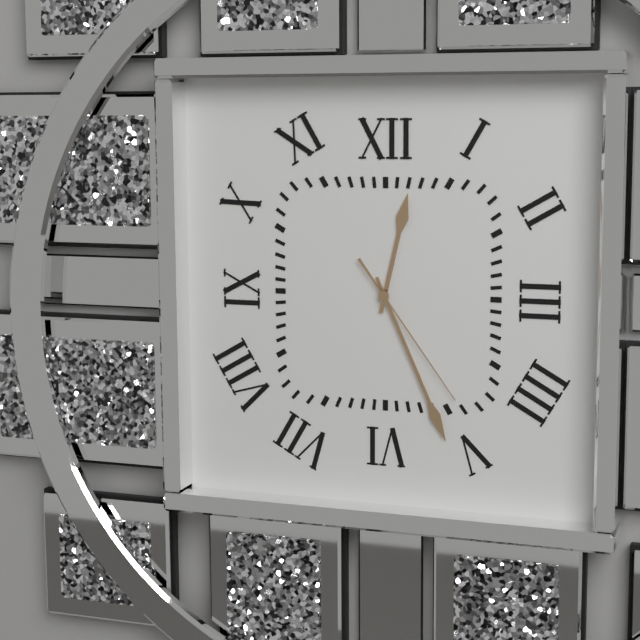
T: 12:26:24
